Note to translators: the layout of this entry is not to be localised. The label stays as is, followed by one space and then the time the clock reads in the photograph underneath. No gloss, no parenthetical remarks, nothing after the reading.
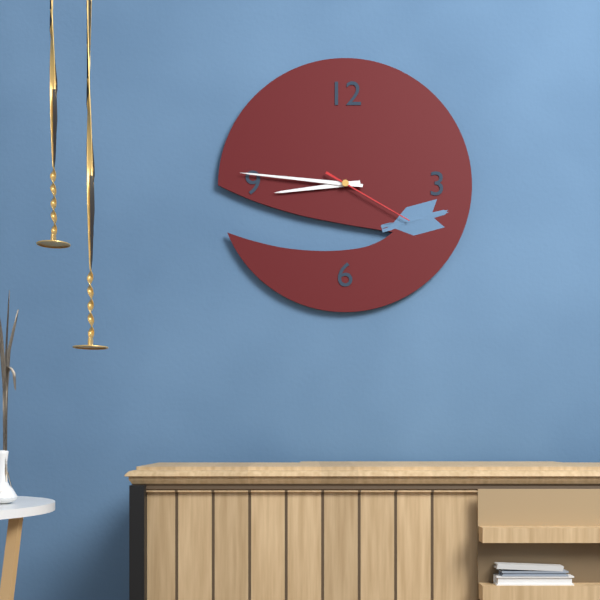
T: 8:46:20
